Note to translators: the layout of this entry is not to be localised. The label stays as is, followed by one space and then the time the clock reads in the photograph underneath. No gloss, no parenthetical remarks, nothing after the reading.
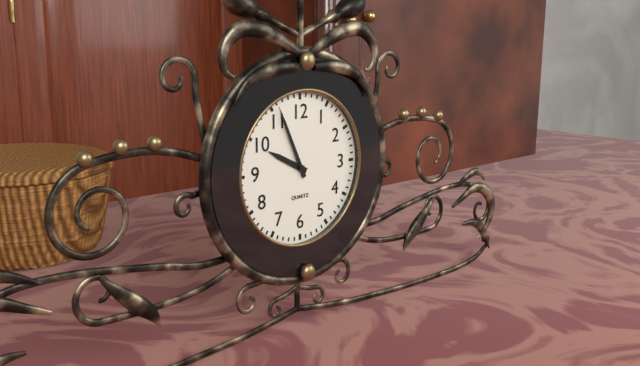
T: 9:56
